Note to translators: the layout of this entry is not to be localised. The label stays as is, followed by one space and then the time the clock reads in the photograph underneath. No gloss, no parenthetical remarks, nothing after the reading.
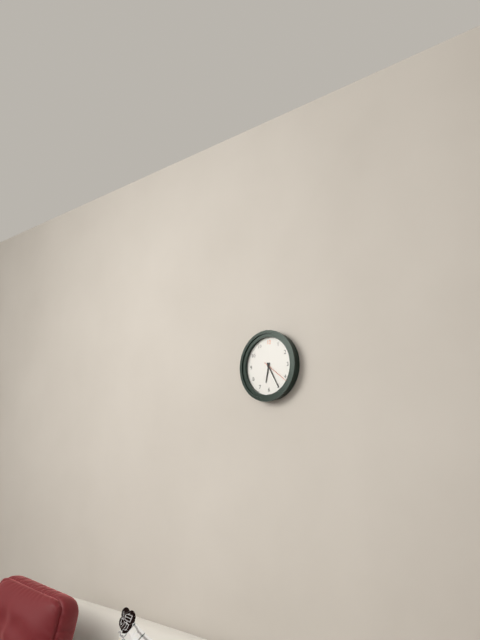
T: 6:25
